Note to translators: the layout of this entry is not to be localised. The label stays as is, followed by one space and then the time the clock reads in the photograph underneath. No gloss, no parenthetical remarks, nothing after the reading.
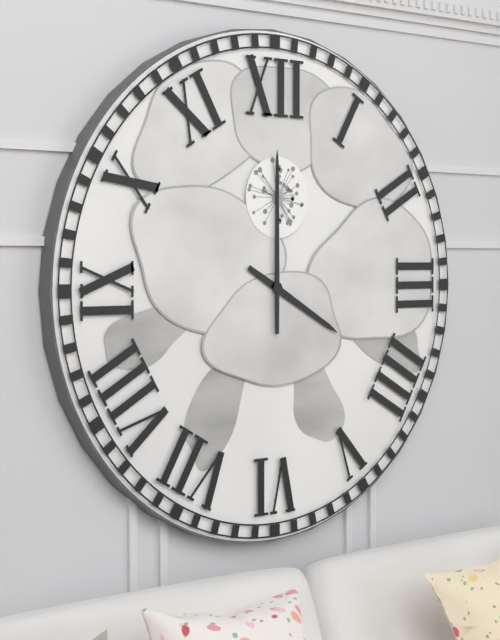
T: 4:00
